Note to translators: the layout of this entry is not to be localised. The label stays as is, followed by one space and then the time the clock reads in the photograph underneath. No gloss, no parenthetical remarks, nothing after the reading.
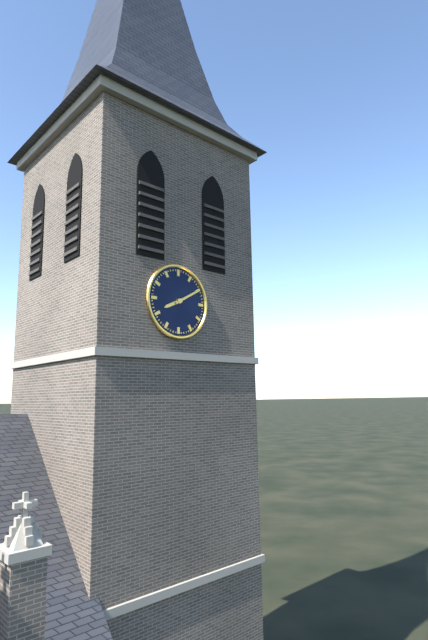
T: 8:10
